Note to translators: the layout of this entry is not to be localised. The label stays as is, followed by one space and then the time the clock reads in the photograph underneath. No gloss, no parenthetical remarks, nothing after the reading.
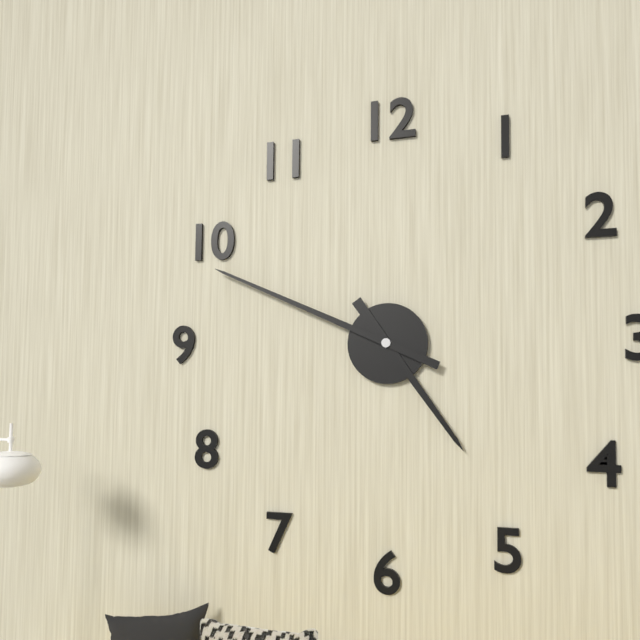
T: 4:49
